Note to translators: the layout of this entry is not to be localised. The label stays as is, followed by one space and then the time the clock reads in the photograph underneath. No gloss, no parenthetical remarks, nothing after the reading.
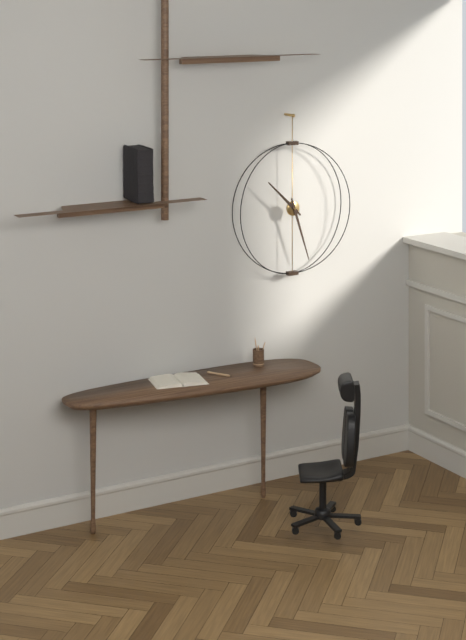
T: 10:27
